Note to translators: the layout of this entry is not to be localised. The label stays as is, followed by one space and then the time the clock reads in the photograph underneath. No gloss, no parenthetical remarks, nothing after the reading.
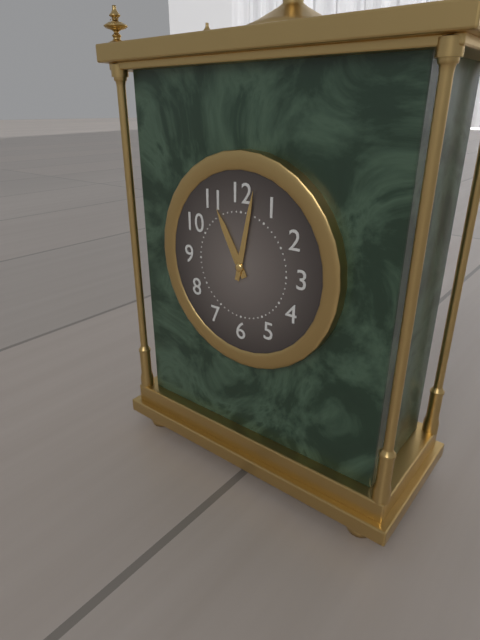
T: 11:02
